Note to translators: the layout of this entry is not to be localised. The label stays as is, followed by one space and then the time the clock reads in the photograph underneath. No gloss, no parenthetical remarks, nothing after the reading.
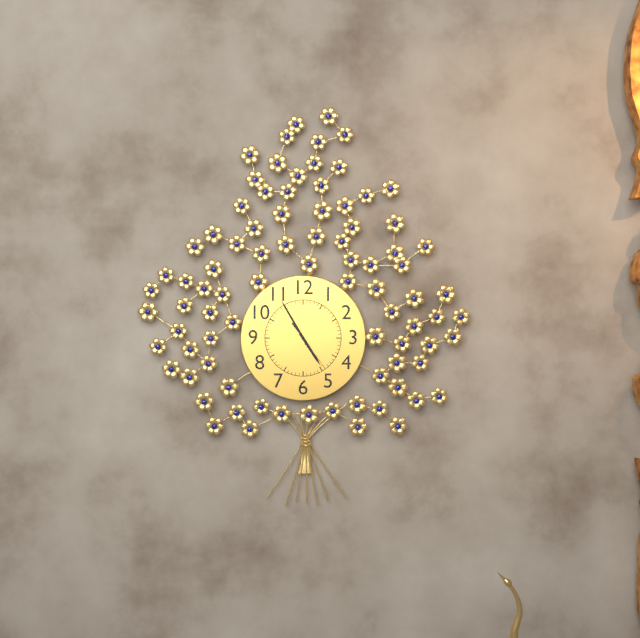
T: 4:55
